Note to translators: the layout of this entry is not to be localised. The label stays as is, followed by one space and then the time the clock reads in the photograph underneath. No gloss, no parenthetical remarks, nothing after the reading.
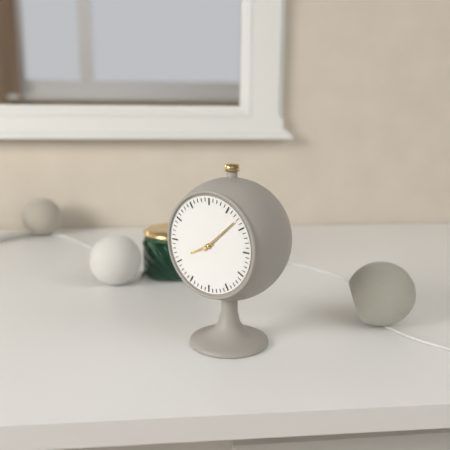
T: 8:08
